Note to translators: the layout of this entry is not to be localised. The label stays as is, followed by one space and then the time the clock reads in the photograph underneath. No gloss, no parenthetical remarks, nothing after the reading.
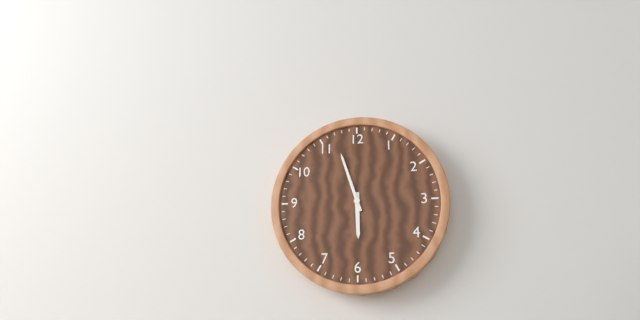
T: 5:57
